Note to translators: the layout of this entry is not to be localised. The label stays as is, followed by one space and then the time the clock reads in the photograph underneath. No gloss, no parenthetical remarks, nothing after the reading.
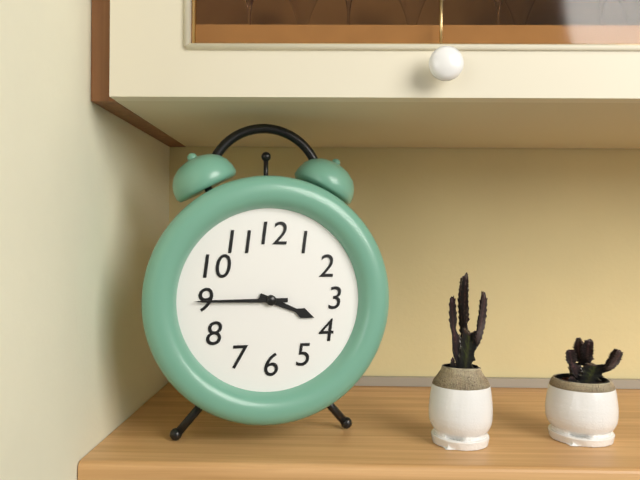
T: 3:45
